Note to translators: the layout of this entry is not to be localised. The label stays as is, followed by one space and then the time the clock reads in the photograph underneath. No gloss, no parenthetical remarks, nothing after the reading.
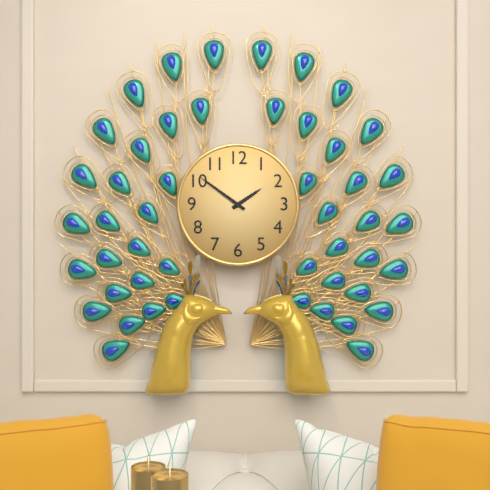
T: 1:51
